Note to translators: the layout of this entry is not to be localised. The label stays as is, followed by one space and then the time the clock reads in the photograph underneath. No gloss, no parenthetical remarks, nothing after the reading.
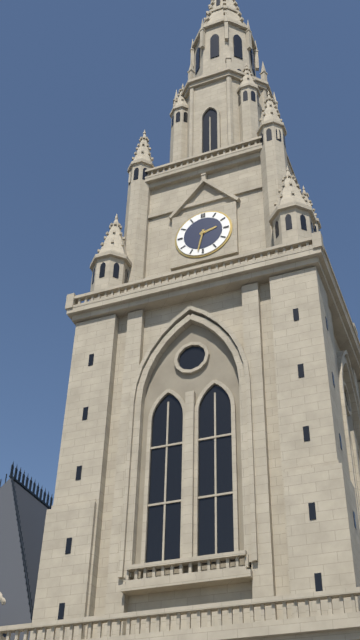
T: 2:32
